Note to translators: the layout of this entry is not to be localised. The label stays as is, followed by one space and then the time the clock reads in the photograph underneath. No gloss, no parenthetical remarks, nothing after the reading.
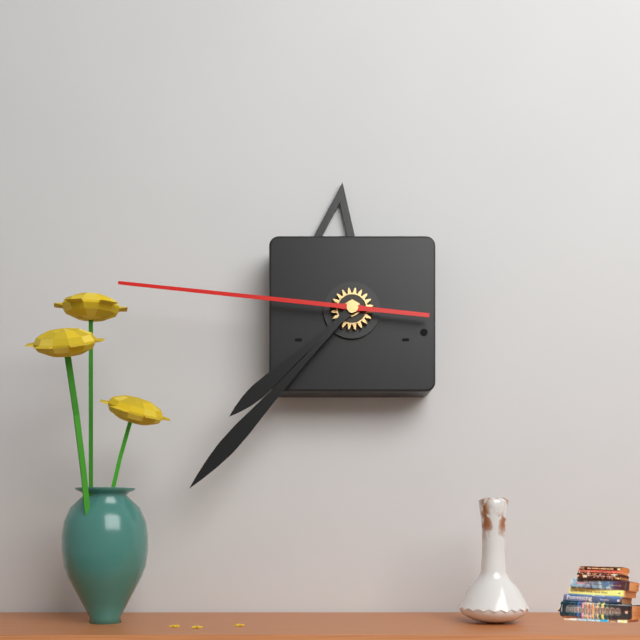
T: 7:37:46
